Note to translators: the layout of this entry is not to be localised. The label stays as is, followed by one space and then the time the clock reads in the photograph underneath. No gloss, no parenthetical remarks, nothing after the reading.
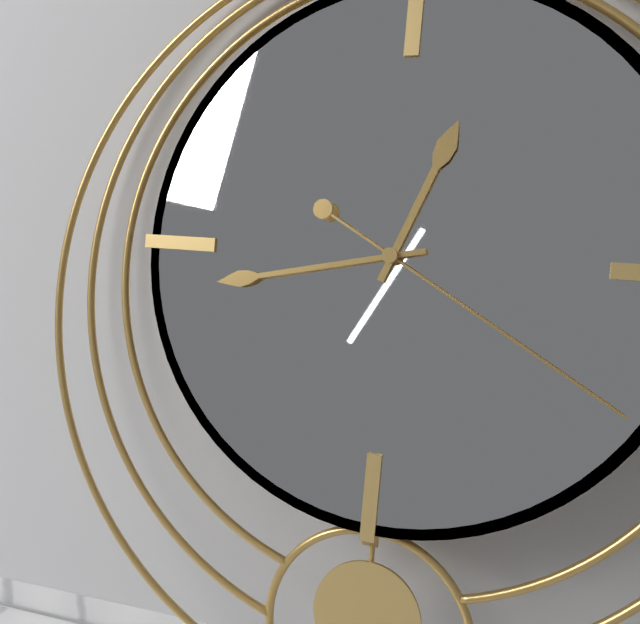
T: 12:43:20
